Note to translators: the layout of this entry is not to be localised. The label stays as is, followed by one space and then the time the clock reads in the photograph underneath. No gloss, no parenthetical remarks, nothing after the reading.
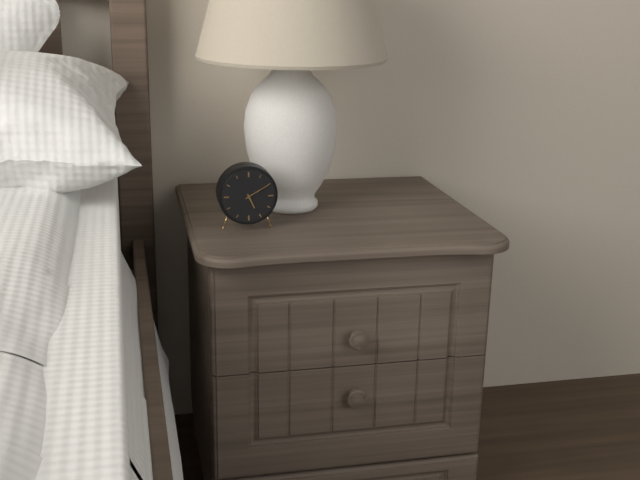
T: 5:10
